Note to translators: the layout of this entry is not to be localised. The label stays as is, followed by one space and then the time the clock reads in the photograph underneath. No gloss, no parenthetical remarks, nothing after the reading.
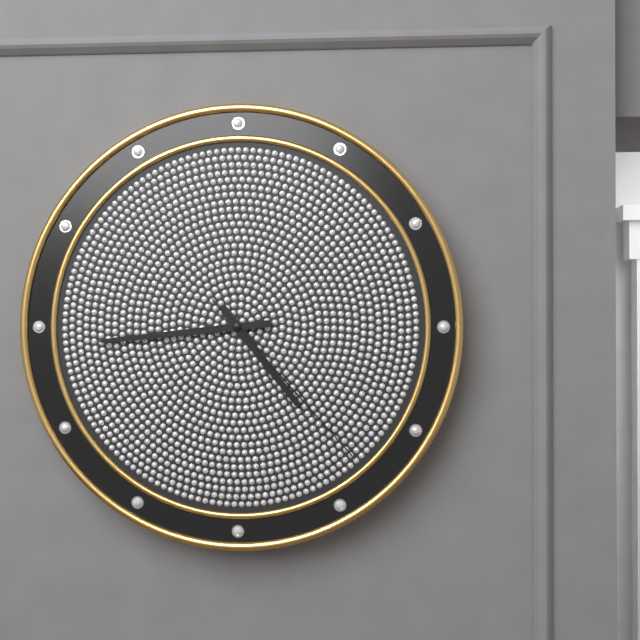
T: 4:44:23
